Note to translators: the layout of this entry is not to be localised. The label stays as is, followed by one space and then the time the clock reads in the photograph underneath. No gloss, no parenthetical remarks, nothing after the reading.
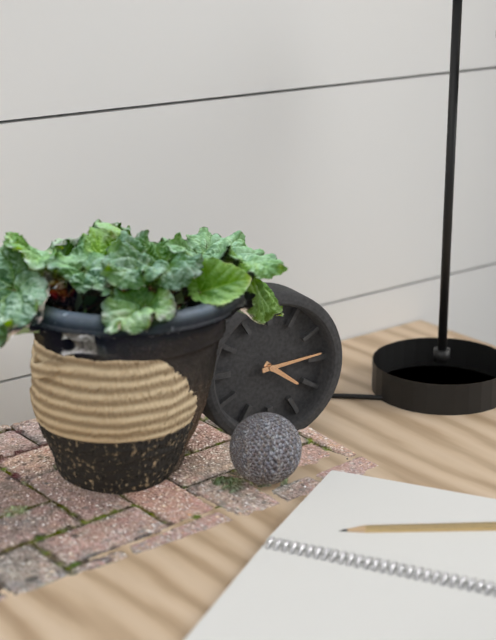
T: 4:14
